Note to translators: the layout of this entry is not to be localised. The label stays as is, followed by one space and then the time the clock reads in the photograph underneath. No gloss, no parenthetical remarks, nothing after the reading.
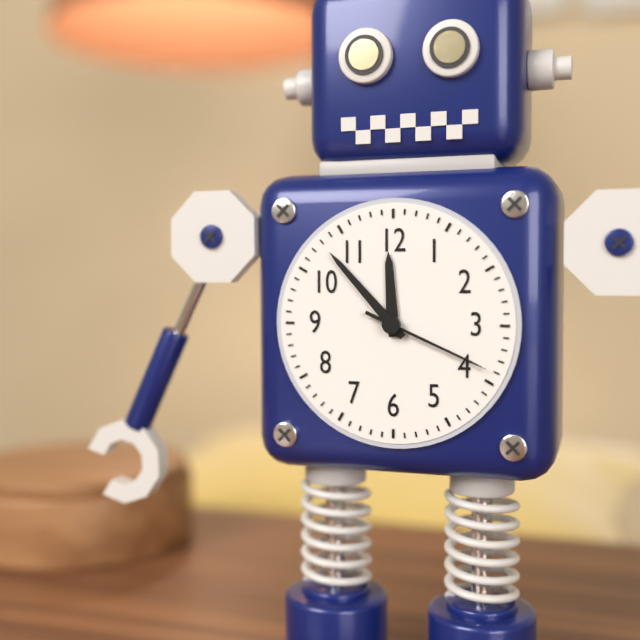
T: 11:53:19
